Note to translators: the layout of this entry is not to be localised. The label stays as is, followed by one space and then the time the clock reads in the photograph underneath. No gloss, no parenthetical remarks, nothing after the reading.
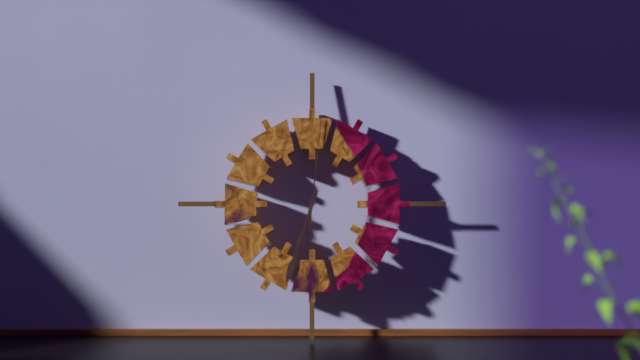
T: 6:33:01
